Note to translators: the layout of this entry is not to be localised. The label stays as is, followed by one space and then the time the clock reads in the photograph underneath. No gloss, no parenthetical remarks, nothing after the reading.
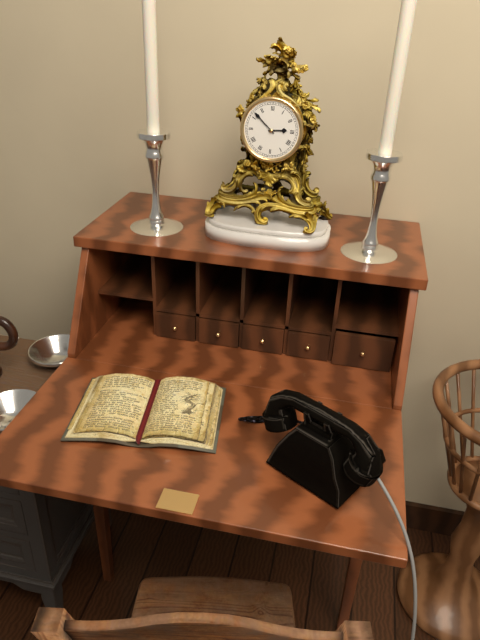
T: 2:52
